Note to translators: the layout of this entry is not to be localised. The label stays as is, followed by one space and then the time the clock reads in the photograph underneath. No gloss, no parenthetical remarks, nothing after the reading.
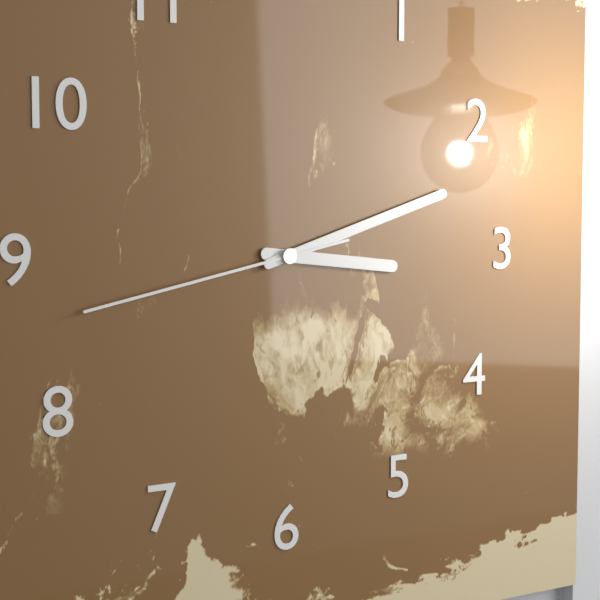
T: 3:12:43
